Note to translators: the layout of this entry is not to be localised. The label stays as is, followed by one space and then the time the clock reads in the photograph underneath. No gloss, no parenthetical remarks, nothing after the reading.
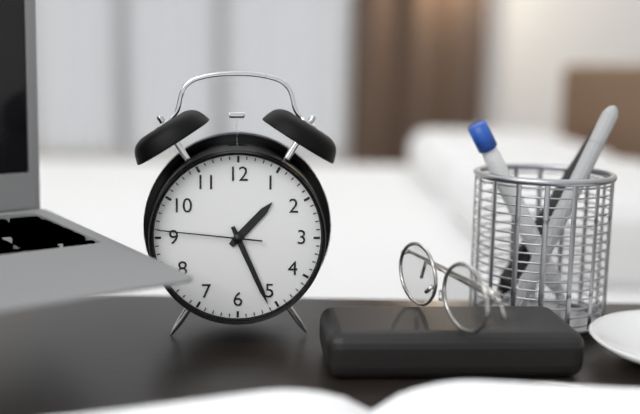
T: 1:26:46
